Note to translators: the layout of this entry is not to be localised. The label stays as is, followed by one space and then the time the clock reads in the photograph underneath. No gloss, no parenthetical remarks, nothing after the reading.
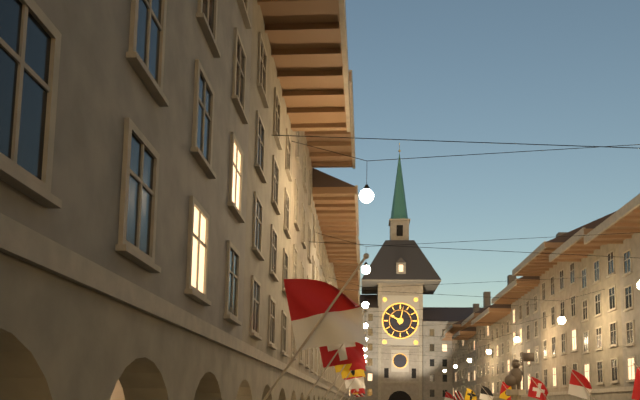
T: 10:02
